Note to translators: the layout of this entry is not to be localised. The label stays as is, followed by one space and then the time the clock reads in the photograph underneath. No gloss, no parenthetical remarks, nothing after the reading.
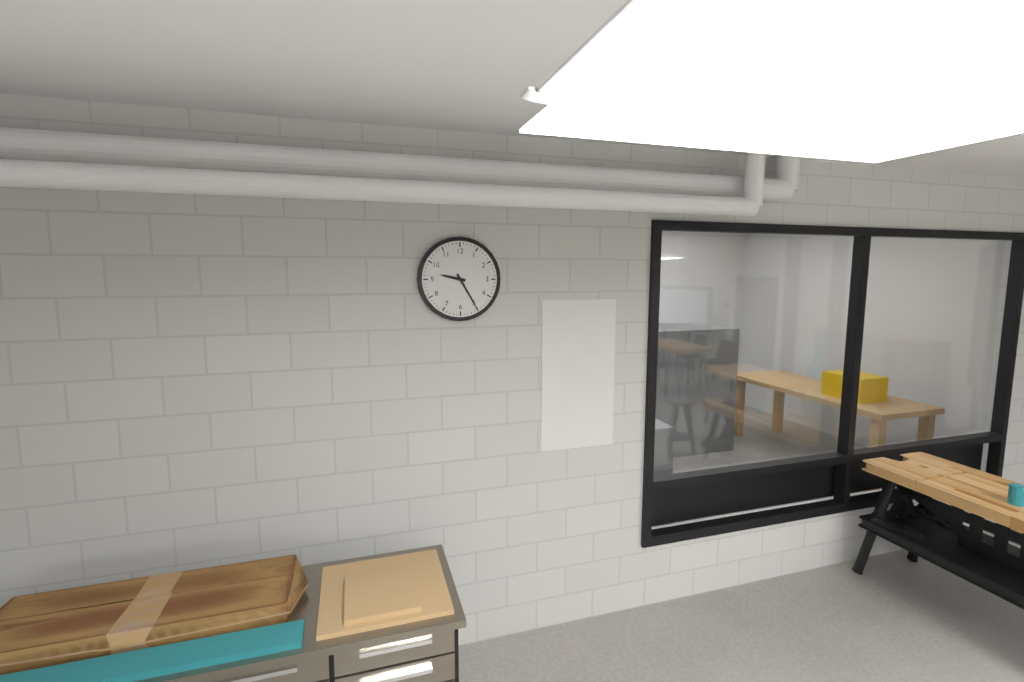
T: 9:25
